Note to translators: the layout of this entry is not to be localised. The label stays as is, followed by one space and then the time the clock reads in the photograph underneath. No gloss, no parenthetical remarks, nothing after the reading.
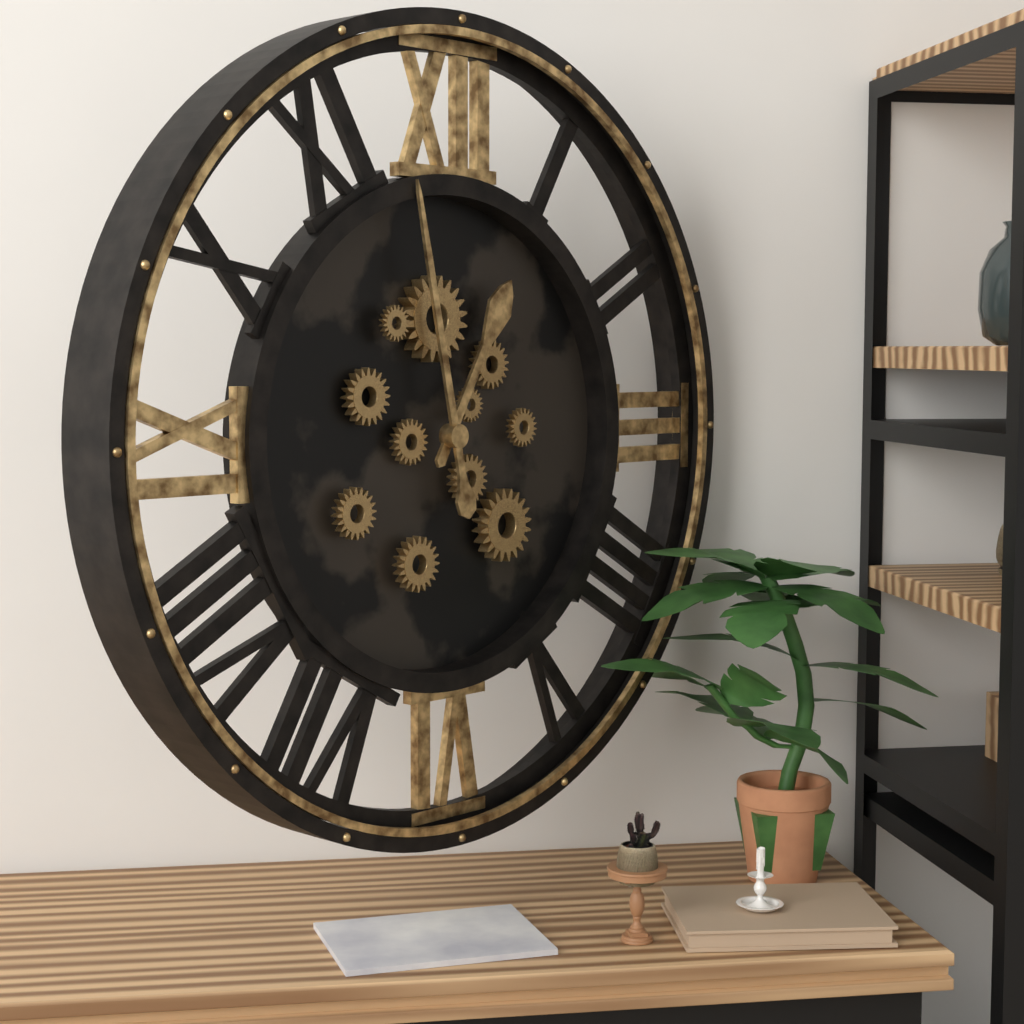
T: 12:58
